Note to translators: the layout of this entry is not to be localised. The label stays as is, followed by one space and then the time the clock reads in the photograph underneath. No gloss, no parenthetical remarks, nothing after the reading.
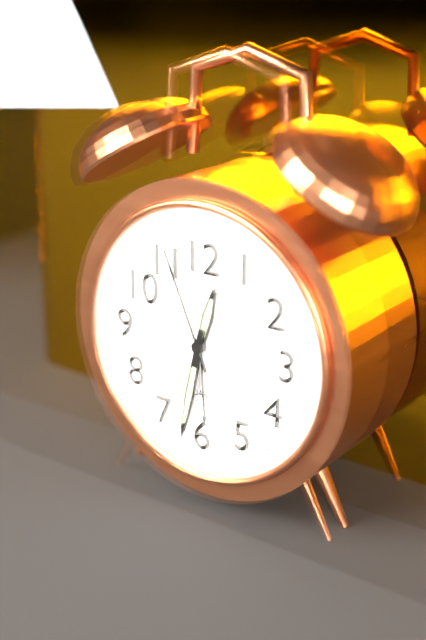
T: 12:32:56
